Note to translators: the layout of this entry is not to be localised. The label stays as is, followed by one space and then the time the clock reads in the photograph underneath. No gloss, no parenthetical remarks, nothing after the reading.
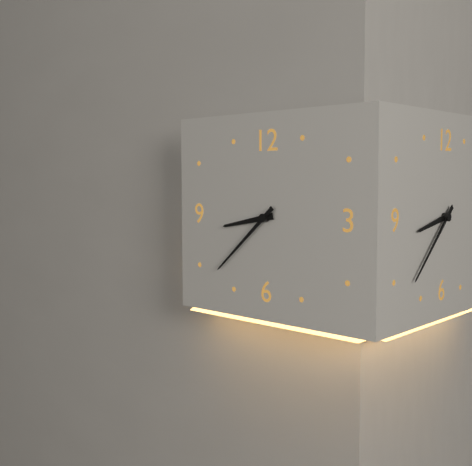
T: 8:38
